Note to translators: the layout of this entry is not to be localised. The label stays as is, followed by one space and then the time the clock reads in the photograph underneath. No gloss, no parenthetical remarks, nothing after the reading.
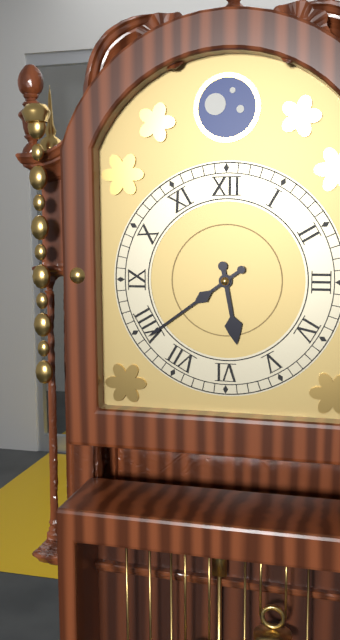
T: 5:39
